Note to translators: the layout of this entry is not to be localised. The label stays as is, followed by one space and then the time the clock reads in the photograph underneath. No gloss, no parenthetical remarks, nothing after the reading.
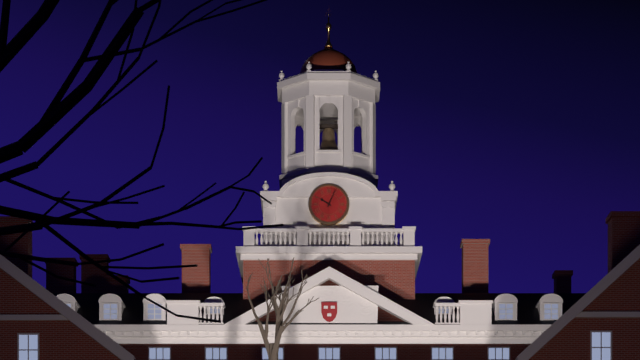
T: 10:04
